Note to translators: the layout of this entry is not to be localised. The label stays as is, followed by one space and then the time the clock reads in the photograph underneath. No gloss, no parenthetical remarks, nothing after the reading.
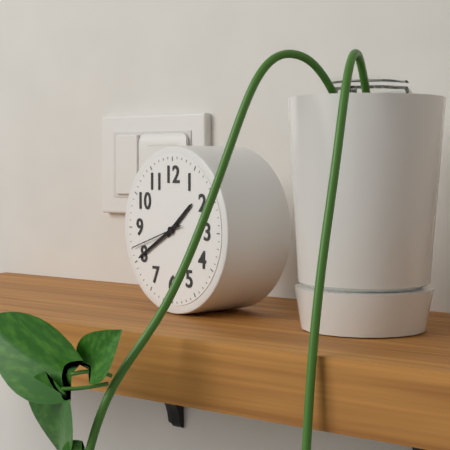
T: 1:40:42
